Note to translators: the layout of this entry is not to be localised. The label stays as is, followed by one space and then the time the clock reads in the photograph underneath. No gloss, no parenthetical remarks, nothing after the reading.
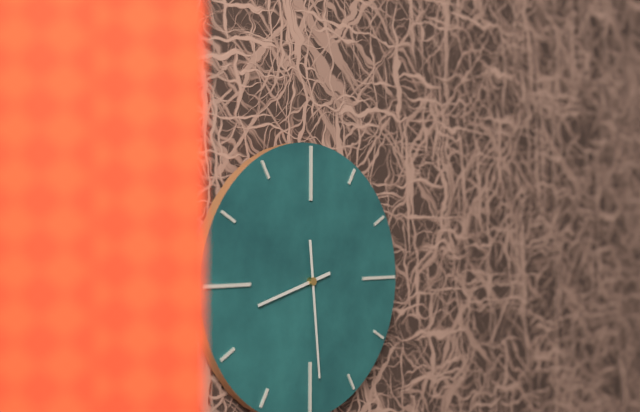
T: 8:29
